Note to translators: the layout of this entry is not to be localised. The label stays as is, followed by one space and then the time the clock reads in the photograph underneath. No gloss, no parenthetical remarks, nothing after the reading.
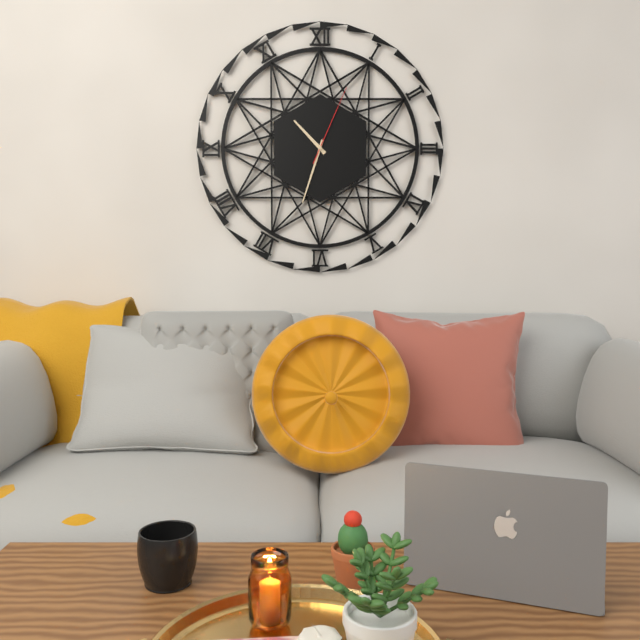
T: 10:33:04
